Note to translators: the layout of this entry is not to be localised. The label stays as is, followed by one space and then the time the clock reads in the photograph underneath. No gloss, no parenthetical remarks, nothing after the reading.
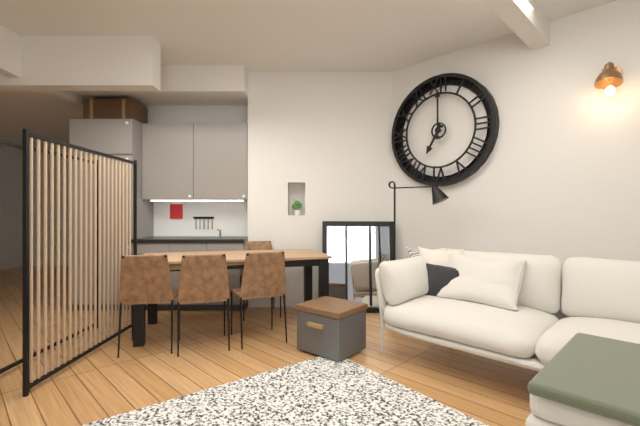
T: 7:00
